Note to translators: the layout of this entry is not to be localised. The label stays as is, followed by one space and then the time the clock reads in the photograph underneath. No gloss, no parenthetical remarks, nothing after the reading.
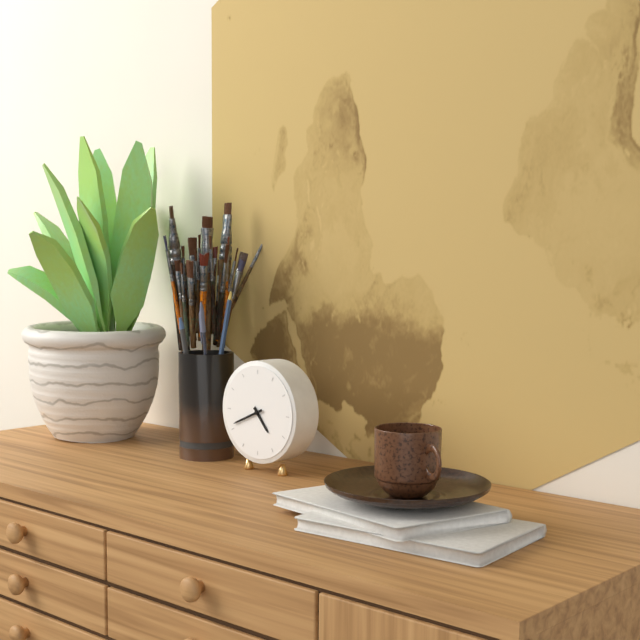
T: 4:41
